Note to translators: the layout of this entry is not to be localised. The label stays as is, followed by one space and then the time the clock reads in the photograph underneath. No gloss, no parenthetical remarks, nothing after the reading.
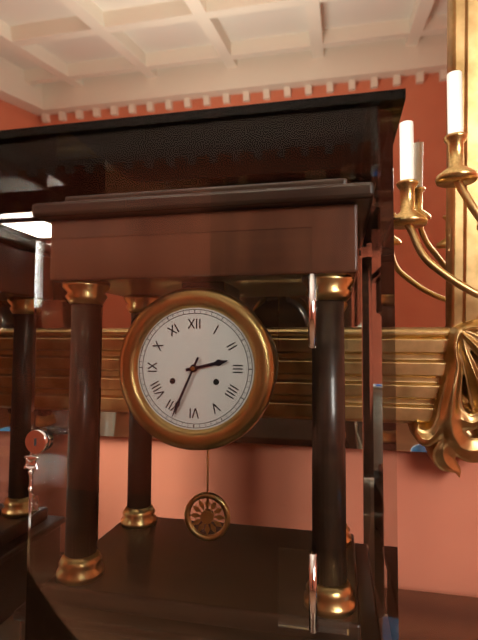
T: 2:34
